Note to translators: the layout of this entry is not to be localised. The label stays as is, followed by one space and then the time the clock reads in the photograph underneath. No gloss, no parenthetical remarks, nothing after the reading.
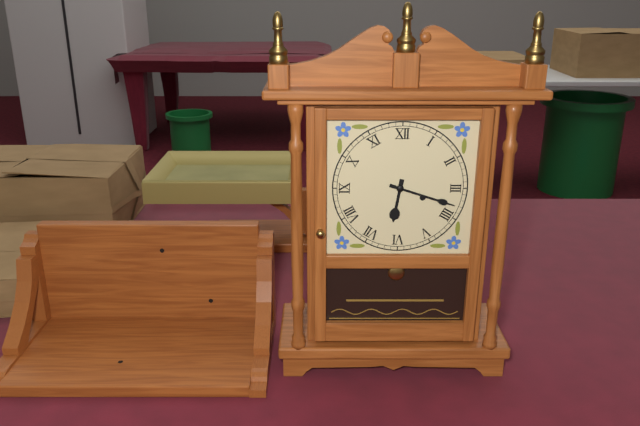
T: 6:18
